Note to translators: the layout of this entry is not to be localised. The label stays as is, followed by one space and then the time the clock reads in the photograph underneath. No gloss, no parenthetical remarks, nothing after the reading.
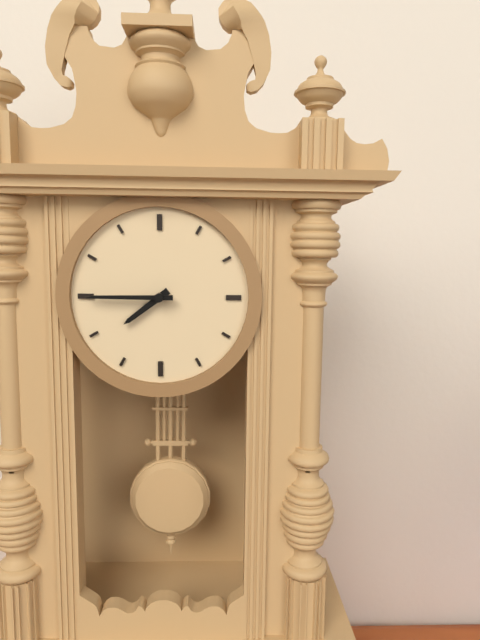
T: 7:45
